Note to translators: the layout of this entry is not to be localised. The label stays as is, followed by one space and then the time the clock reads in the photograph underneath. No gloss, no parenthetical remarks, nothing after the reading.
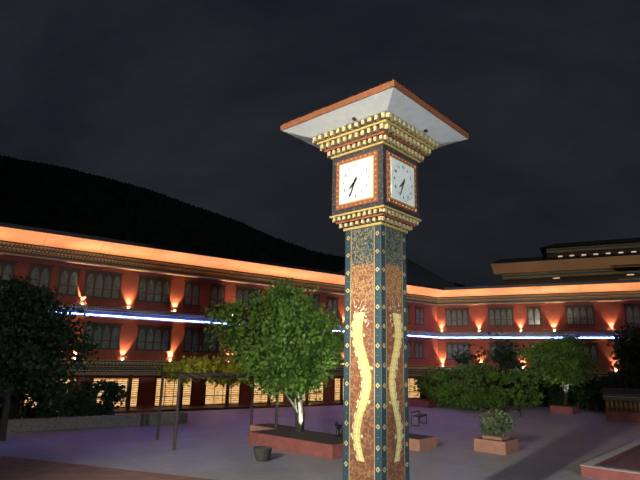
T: 7:34
